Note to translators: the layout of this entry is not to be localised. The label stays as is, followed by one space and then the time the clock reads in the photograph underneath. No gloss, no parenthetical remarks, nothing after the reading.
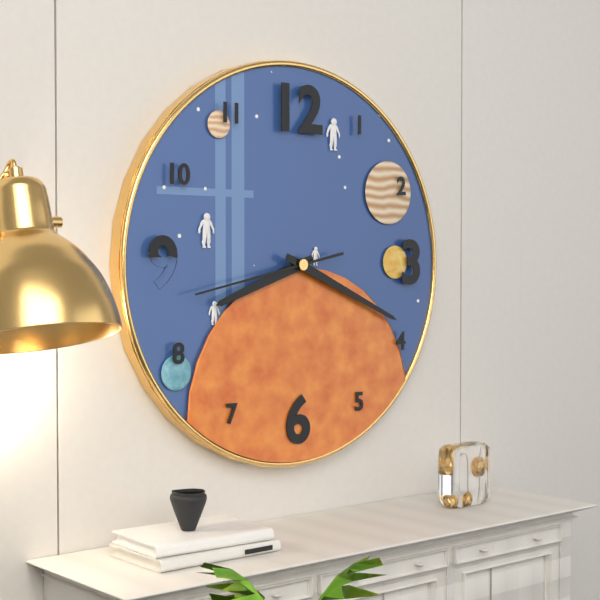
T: 8:19:43
